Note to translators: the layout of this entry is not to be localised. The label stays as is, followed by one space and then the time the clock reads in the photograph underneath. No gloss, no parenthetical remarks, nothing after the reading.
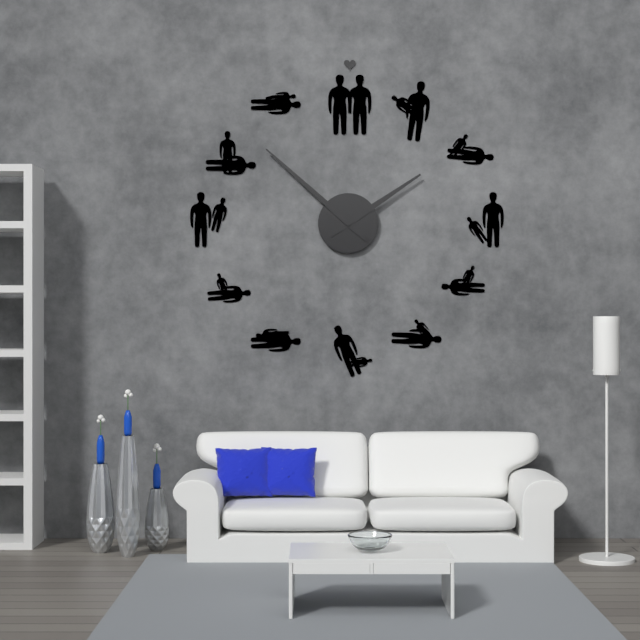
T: 1:52
